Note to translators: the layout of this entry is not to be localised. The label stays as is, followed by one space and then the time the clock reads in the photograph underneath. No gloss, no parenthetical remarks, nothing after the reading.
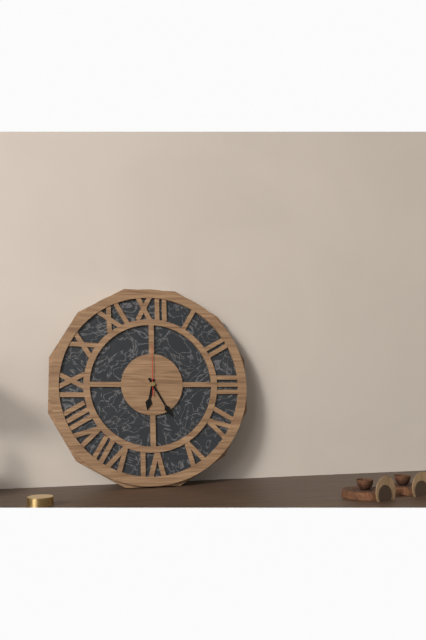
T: 6:25
